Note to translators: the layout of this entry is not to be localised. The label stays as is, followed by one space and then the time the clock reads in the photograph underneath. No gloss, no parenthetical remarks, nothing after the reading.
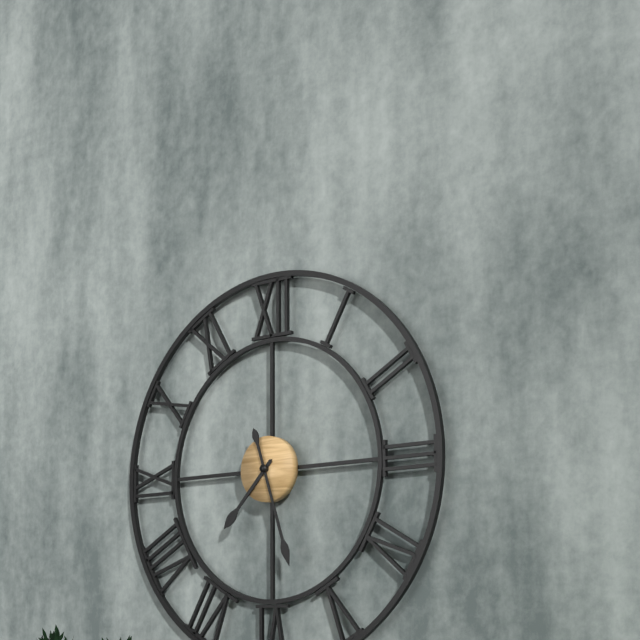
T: 7:27
